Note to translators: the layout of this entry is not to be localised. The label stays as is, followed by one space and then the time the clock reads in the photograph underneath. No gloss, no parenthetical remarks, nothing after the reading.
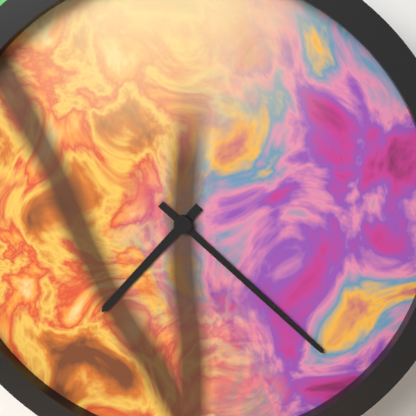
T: 7:22
